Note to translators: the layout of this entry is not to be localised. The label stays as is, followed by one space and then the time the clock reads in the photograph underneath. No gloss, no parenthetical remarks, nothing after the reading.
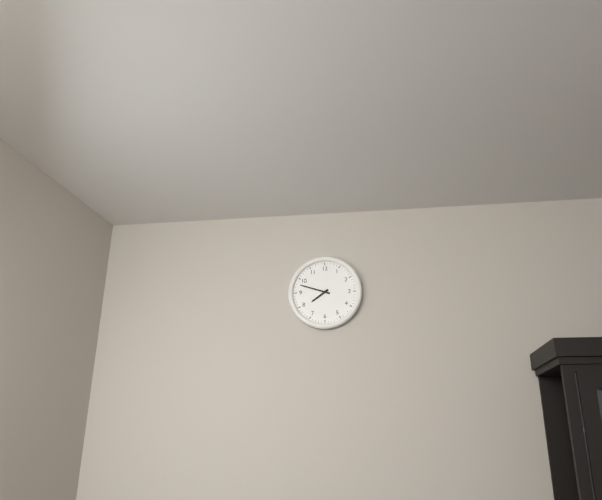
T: 7:48
